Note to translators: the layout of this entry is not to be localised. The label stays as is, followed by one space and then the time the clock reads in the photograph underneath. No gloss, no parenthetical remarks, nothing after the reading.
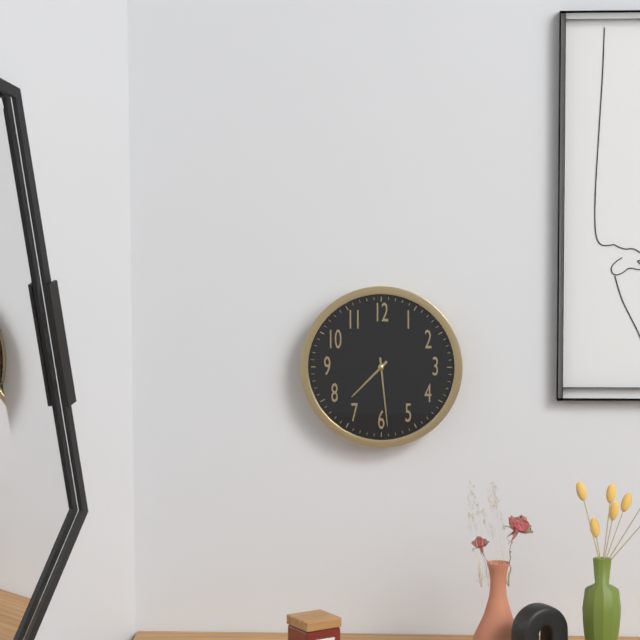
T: 7:29
